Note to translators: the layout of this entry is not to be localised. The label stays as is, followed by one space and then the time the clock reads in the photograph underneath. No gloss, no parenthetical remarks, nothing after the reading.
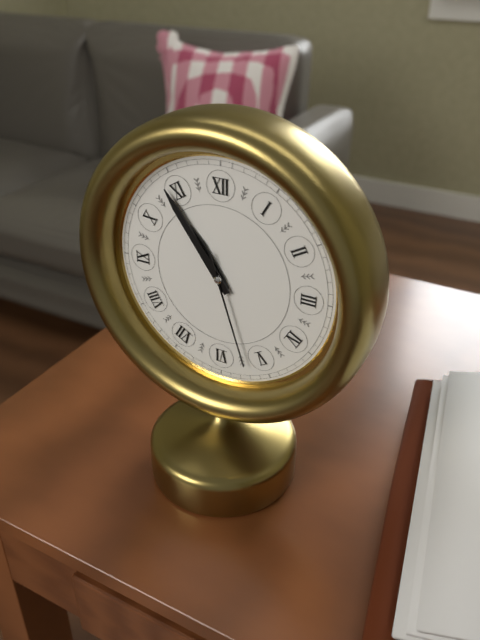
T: 10:54:27
